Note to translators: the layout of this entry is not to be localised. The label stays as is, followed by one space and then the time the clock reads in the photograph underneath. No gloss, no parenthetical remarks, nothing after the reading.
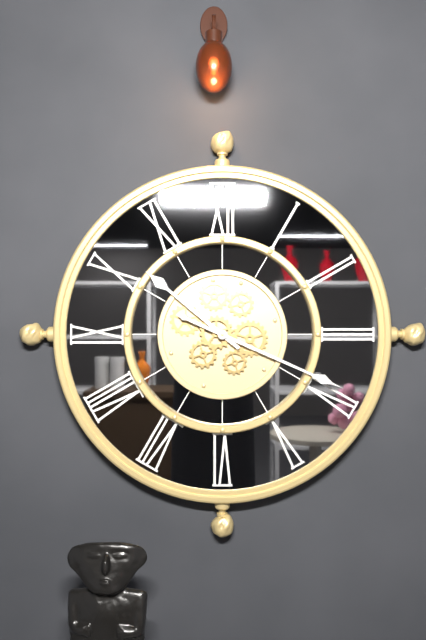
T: 10:19
